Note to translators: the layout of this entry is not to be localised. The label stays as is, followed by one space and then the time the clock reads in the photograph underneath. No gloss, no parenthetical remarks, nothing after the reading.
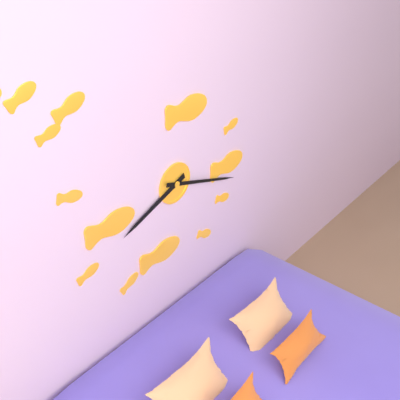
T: 8:18
